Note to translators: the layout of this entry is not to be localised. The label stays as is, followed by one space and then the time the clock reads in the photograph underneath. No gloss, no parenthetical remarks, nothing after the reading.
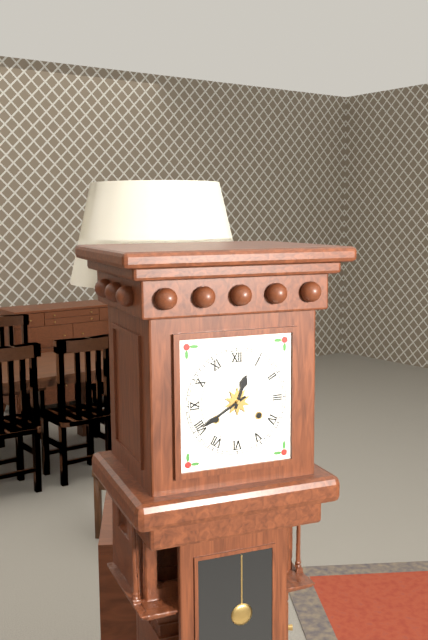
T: 12:40
